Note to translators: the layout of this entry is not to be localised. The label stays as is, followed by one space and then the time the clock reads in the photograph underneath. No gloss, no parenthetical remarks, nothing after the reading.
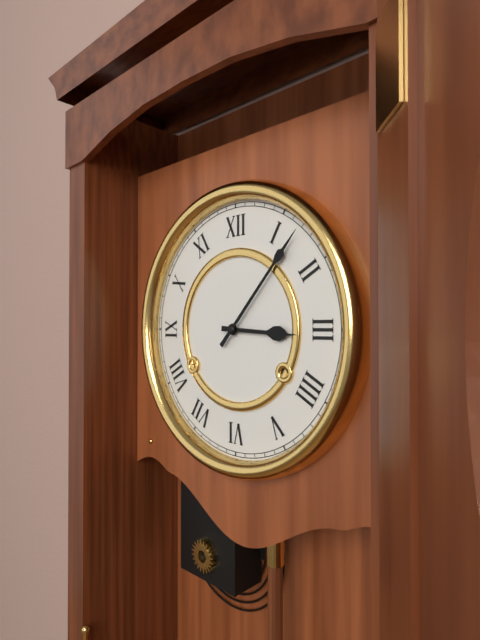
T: 3:07
